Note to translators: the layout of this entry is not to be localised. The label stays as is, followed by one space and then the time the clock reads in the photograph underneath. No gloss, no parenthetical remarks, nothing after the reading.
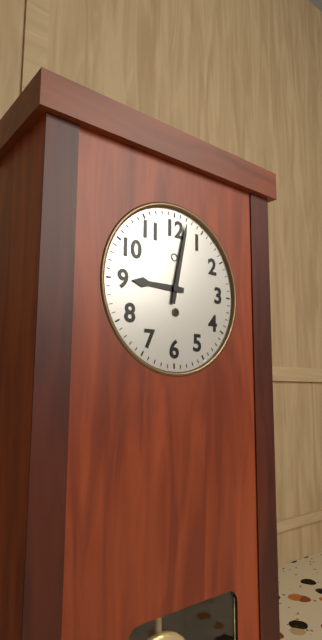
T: 9:02
